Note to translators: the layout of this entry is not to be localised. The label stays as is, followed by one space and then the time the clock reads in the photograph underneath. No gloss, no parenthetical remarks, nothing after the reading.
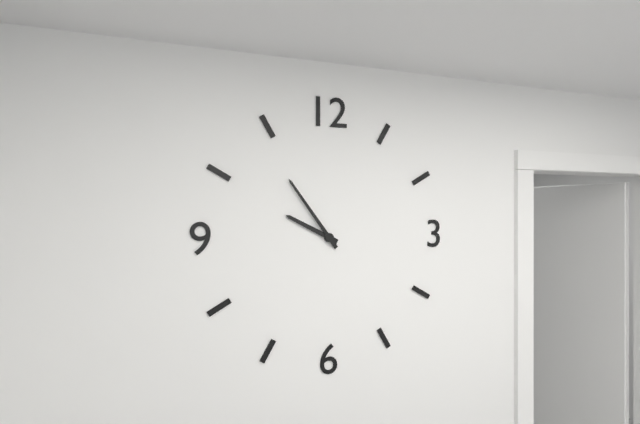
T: 9:54
